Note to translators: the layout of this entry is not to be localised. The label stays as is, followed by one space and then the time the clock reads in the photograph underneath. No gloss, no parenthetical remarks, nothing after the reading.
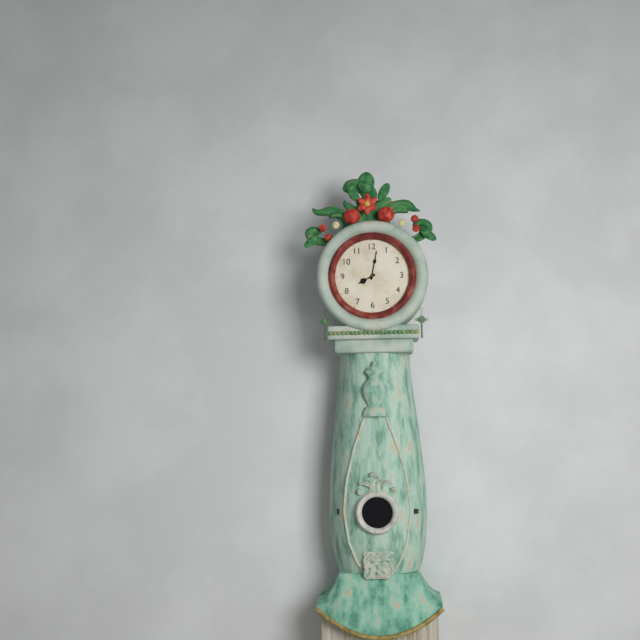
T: 8:02
